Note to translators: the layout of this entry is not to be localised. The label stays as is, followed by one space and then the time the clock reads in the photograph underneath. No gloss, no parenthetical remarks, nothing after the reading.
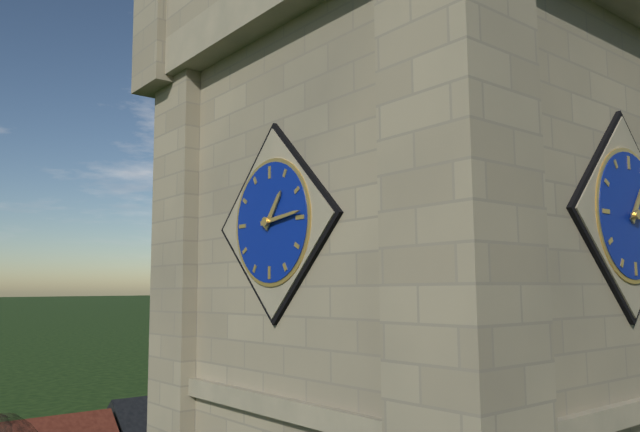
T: 1:14
